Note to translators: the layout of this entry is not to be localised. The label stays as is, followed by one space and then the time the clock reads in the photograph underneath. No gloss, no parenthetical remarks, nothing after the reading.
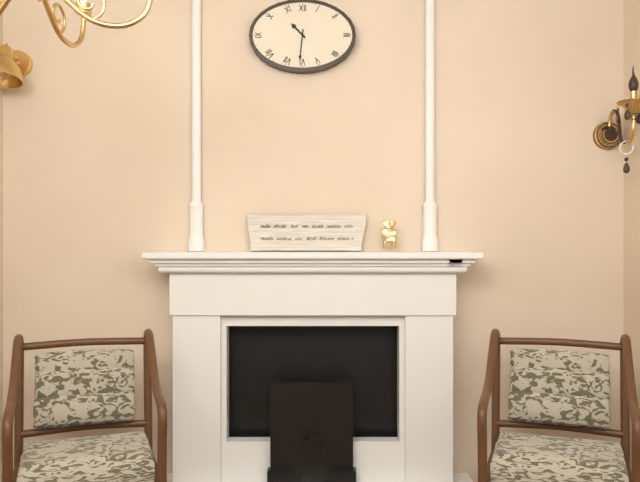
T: 10:31
